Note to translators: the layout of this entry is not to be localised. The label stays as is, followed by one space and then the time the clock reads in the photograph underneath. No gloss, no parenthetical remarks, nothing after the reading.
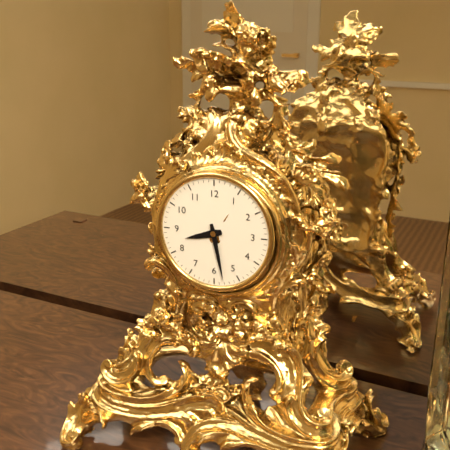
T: 8:28
